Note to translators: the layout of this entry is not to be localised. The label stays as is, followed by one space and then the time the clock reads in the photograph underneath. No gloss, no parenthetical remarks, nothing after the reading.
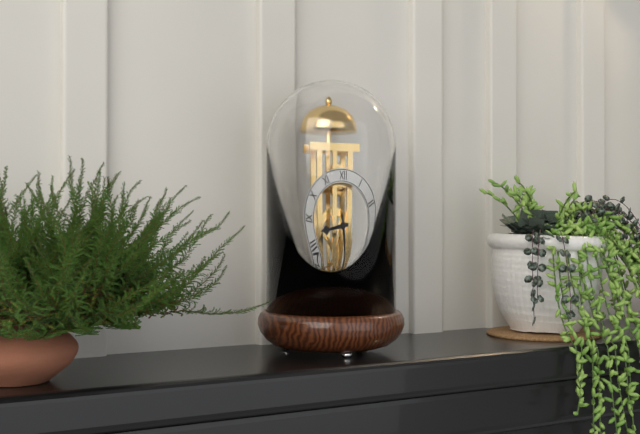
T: 8:28
